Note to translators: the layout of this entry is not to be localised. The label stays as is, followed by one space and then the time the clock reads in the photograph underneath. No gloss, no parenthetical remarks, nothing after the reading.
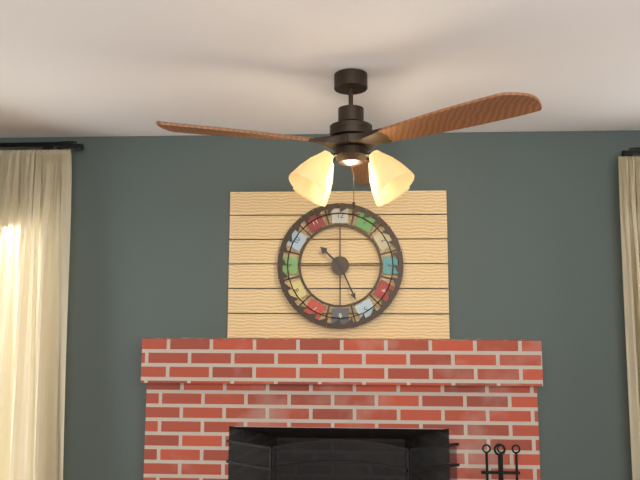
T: 10:26
